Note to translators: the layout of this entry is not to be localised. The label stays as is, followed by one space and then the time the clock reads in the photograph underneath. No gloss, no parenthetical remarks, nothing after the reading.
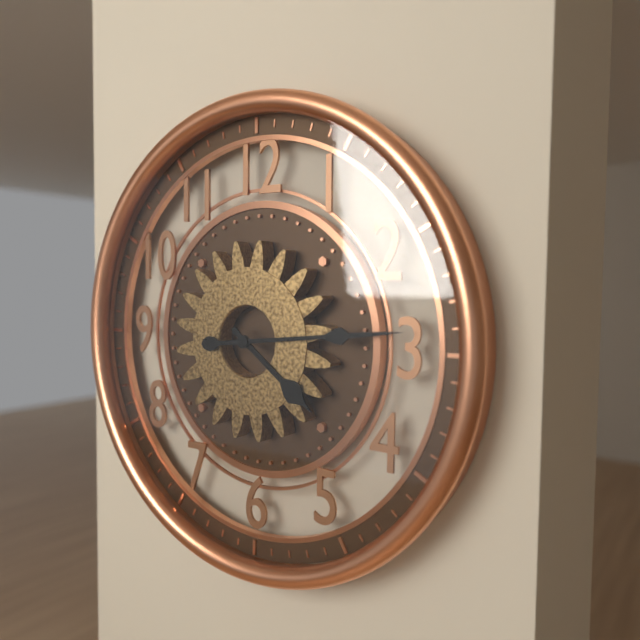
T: 4:14
